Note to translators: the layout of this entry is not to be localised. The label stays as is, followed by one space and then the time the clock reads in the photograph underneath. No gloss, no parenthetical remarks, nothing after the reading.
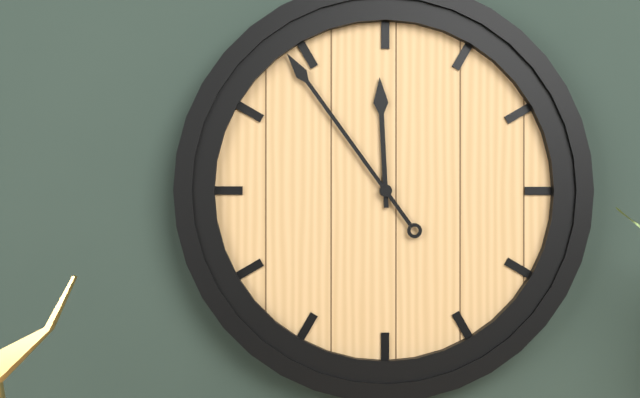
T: 11:54
